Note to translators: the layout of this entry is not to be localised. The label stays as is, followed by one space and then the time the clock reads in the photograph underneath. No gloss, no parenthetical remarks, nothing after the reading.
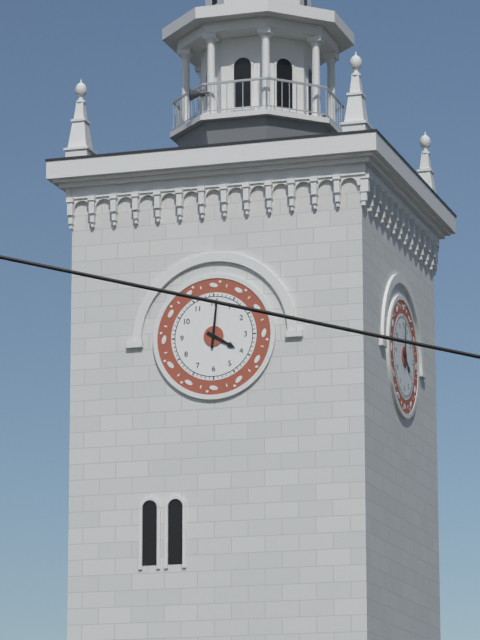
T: 4:01
